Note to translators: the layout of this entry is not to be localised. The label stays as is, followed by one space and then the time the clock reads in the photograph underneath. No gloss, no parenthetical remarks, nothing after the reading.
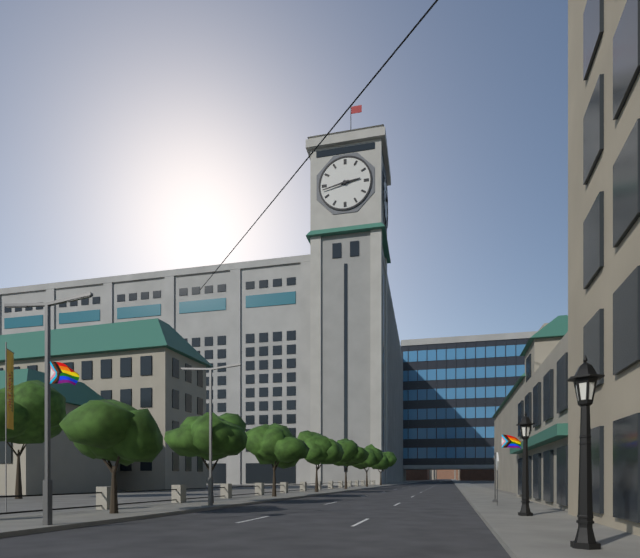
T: 2:43
